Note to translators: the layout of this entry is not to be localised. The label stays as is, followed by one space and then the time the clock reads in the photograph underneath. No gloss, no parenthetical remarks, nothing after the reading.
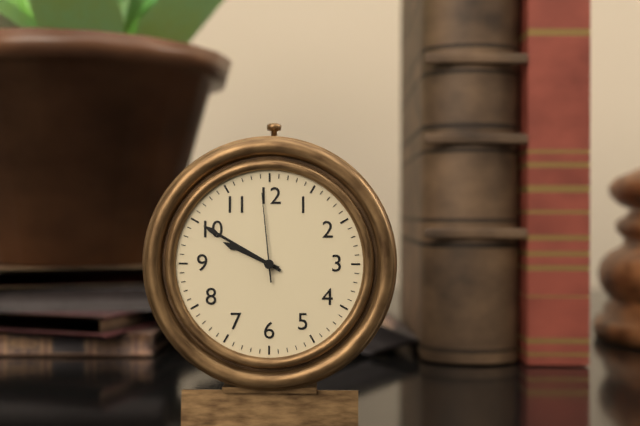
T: 9:50:59
